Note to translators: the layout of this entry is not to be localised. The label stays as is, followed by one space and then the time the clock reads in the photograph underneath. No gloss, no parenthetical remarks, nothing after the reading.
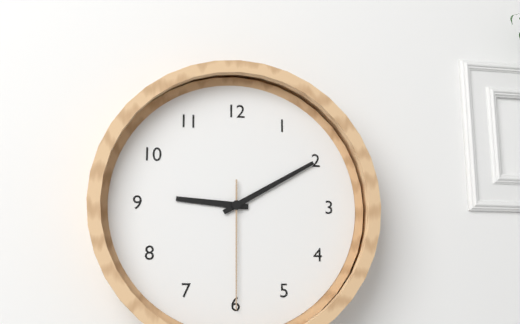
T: 9:10:30
